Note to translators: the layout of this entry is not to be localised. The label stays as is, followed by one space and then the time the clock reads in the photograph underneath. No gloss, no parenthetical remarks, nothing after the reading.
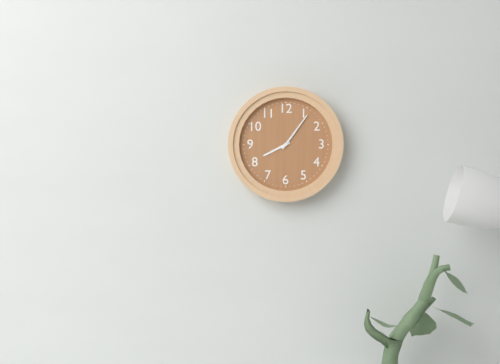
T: 8:06
